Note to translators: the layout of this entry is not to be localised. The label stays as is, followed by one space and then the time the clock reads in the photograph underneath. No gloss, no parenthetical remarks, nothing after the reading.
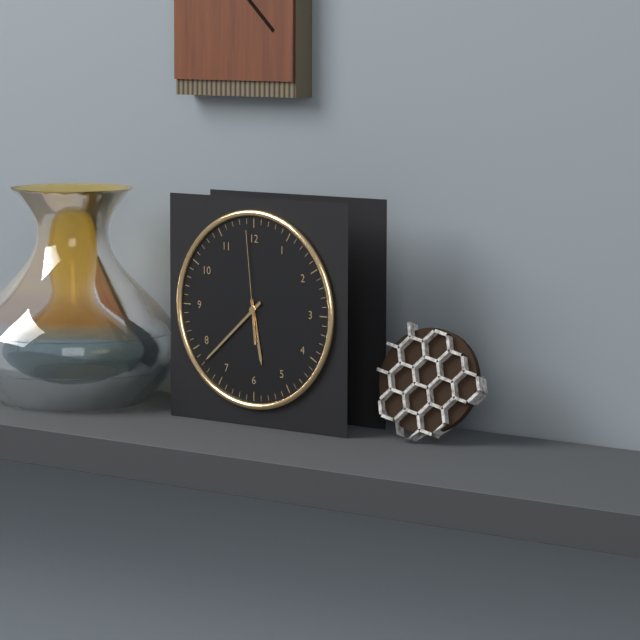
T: 5:38:59
